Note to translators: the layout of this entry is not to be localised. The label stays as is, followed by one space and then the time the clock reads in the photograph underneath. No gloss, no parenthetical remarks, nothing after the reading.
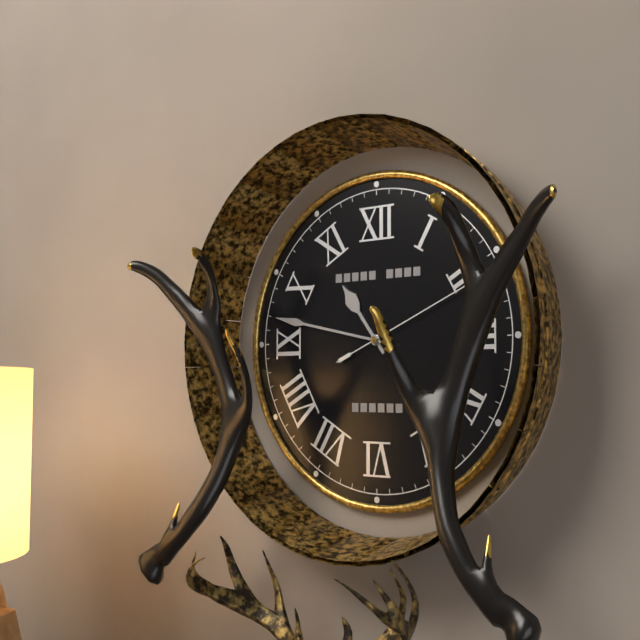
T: 10:47:11
